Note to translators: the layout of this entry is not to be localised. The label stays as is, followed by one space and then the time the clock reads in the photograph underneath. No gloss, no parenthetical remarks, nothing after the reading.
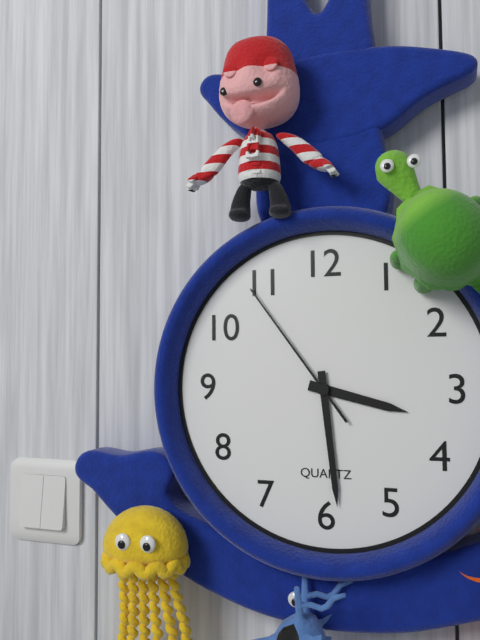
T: 3:29:54
